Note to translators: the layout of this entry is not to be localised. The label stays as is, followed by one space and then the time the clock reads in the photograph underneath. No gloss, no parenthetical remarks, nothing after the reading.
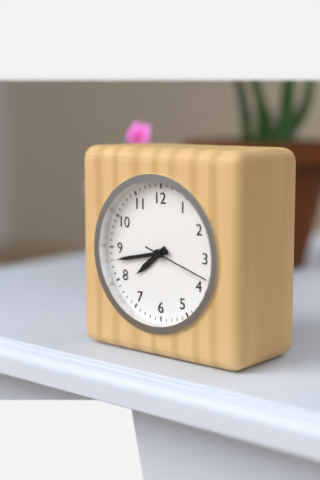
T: 7:43:18
